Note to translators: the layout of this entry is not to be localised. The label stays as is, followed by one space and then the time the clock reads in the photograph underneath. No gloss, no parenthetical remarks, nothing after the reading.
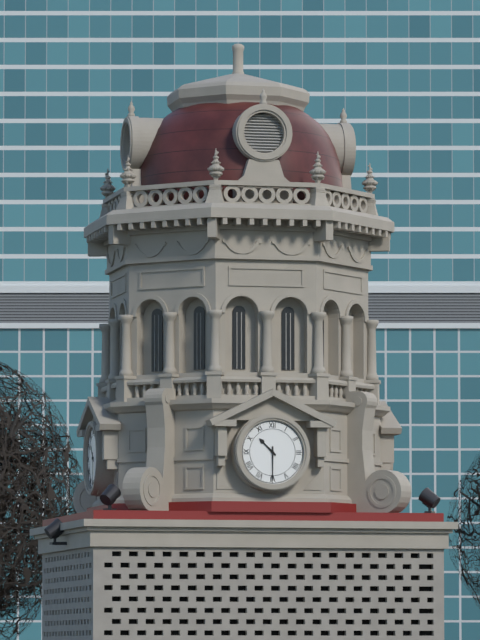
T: 10:30
